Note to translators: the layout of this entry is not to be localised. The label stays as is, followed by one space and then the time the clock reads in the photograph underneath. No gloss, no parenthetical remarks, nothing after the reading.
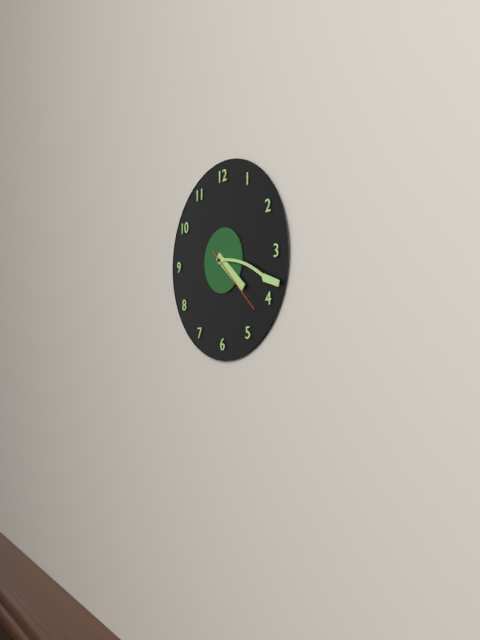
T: 4:18:22
